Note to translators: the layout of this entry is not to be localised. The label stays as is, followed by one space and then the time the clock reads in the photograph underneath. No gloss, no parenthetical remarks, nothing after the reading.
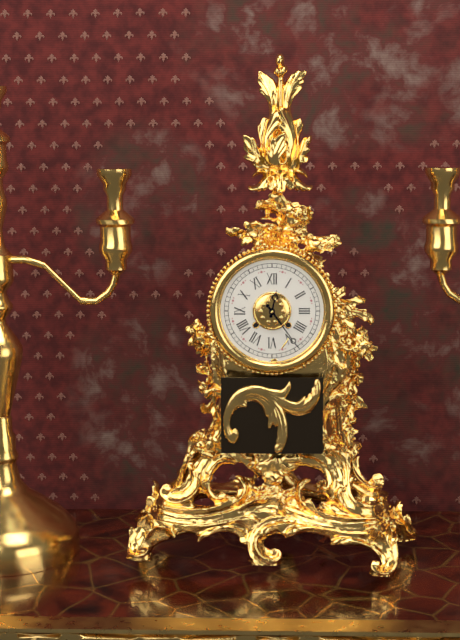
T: 12:24
